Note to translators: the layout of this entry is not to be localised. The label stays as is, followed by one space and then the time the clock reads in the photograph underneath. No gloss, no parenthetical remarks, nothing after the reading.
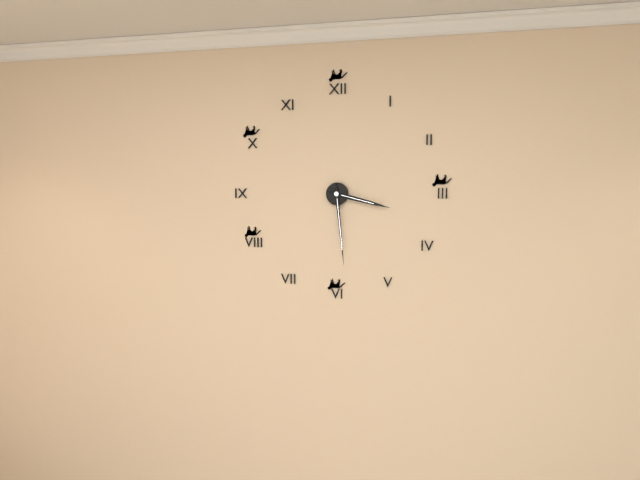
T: 3:29
